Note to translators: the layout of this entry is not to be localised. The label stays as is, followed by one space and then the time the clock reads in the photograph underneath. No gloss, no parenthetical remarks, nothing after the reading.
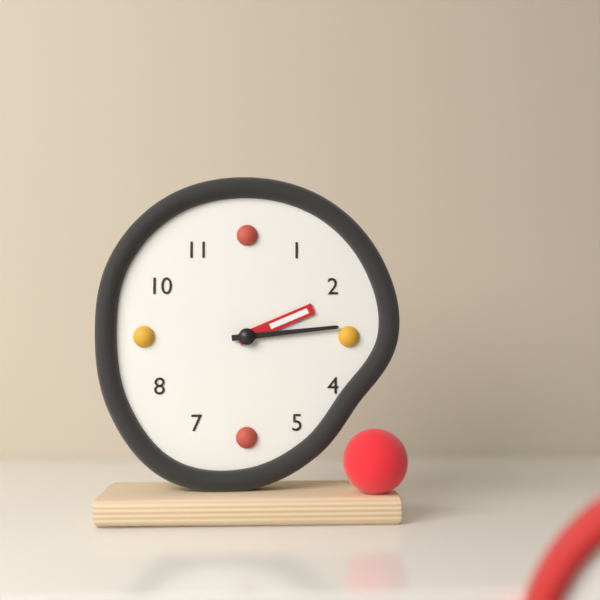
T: 2:14
